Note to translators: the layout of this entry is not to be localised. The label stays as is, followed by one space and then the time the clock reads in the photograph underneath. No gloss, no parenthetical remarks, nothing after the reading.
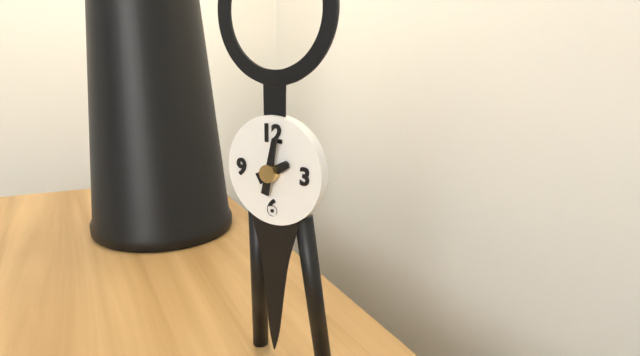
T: 2:02
